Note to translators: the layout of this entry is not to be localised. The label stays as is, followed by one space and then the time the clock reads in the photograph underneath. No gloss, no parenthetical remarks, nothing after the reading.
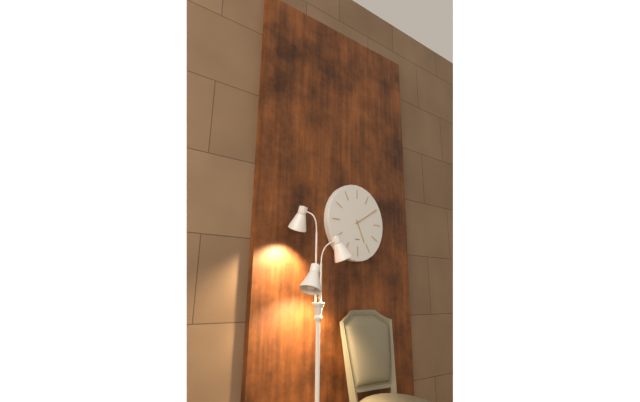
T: 5:10
